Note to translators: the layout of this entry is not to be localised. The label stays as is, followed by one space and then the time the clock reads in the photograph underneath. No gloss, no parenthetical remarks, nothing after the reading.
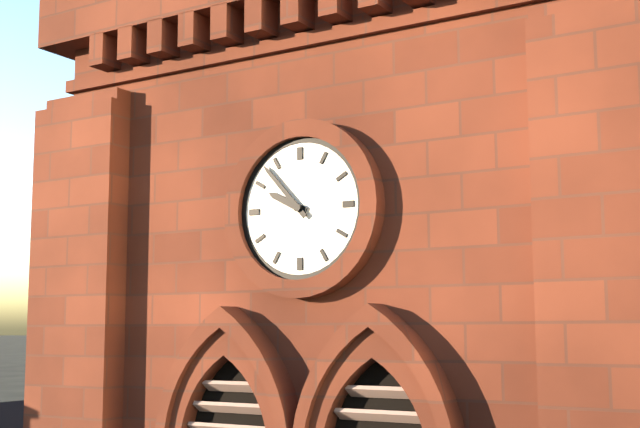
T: 9:53
